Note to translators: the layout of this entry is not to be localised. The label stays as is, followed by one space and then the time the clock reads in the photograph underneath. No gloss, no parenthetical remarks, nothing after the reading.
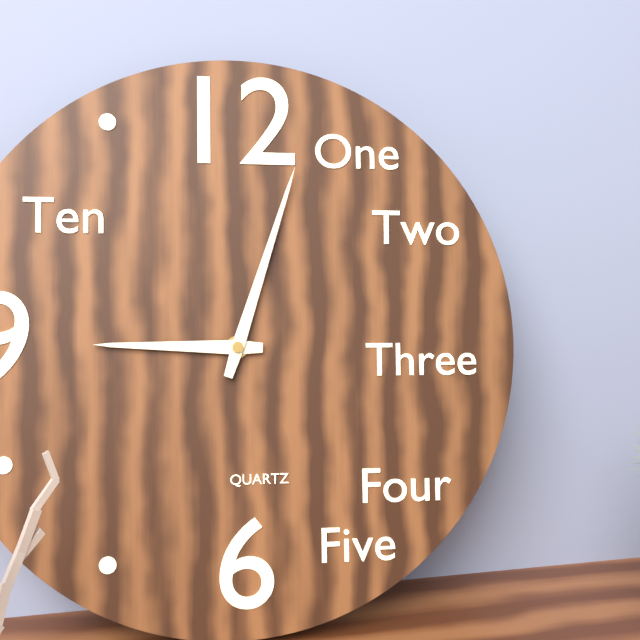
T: 9:03
